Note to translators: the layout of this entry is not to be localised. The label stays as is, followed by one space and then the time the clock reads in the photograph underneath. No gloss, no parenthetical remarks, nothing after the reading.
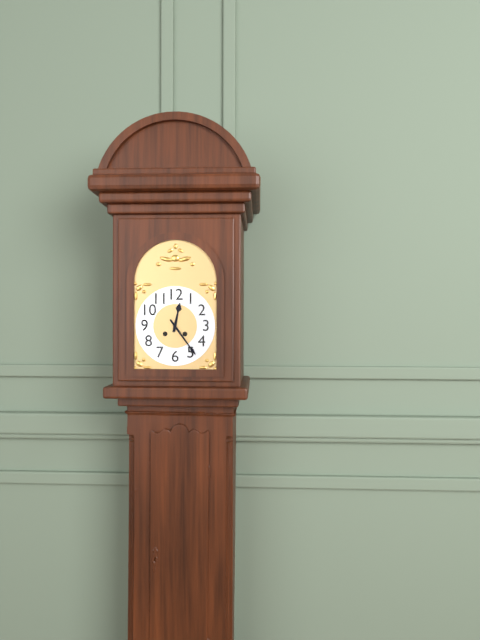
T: 12:24
